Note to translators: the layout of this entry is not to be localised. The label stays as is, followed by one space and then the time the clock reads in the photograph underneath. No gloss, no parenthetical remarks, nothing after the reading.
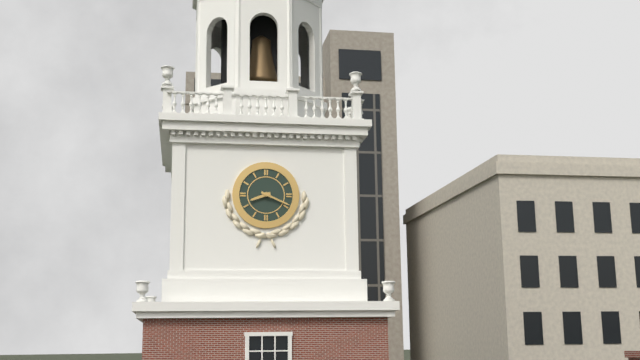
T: 8:19
